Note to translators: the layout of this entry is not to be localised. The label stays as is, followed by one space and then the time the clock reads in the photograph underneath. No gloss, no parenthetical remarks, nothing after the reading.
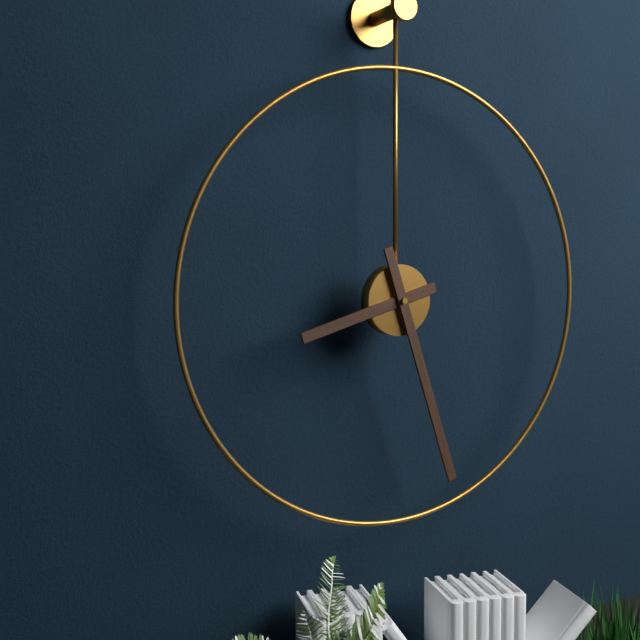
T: 8:27
